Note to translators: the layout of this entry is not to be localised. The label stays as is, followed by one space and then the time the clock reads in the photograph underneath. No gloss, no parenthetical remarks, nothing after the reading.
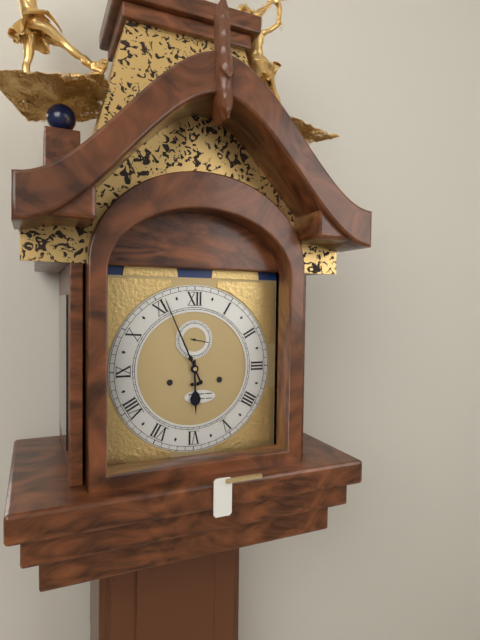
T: 5:56
